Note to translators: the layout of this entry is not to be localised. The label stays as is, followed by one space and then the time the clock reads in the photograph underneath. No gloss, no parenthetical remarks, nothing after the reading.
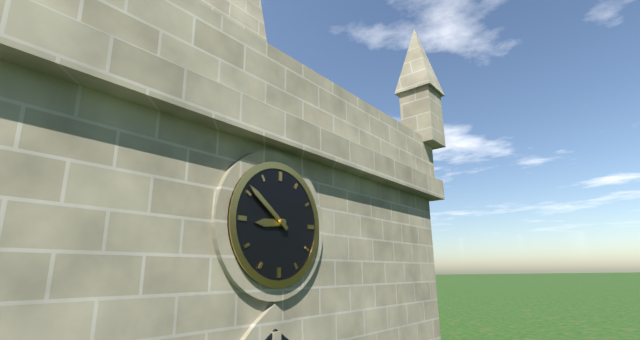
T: 8:51
